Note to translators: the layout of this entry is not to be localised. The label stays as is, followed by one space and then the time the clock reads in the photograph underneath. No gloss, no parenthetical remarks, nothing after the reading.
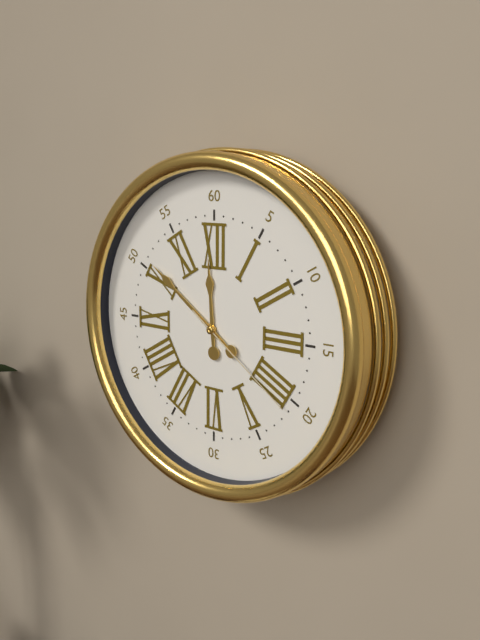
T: 11:51:21
